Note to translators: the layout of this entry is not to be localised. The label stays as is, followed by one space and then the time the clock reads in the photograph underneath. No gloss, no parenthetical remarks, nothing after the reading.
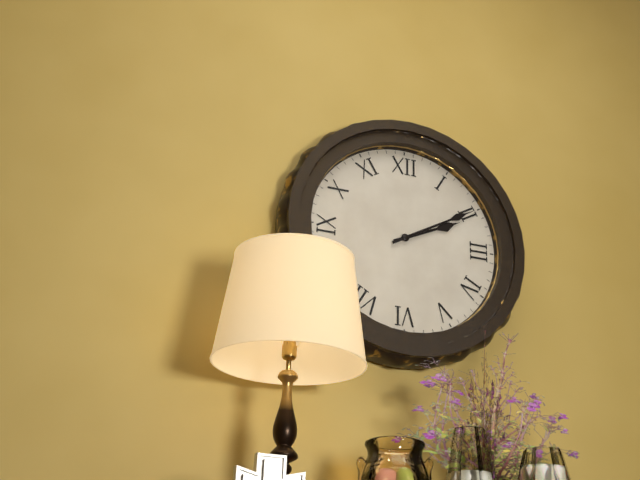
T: 2:10
